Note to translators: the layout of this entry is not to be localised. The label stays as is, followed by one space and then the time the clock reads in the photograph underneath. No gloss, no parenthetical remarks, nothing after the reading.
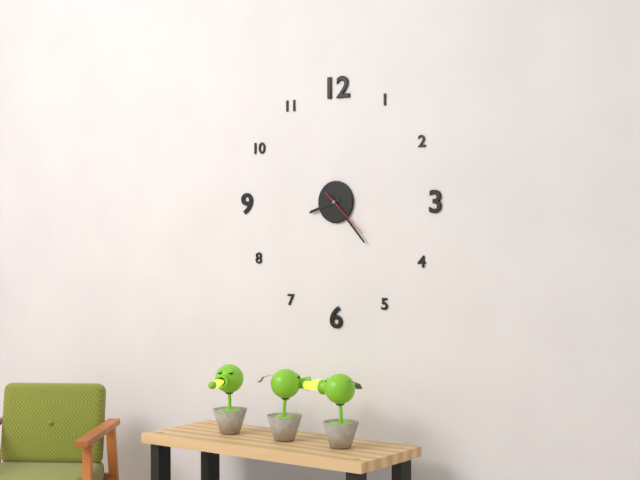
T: 8:23:22
